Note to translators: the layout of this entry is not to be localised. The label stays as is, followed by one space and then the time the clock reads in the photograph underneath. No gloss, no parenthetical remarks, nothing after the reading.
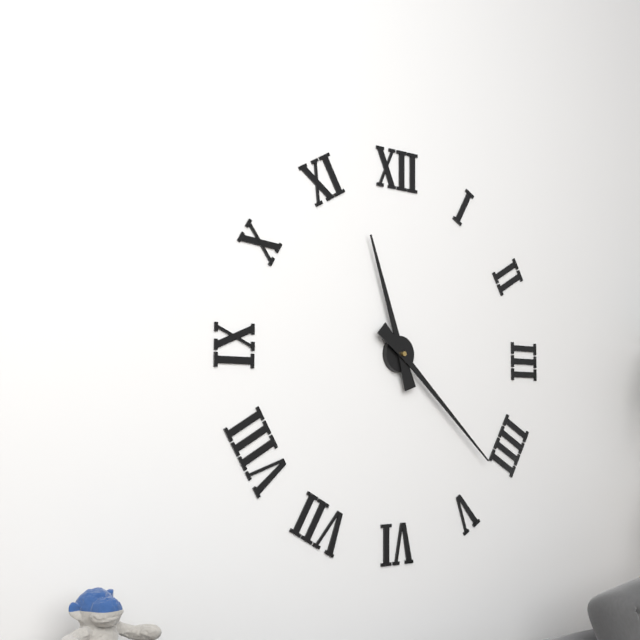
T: 11:22
